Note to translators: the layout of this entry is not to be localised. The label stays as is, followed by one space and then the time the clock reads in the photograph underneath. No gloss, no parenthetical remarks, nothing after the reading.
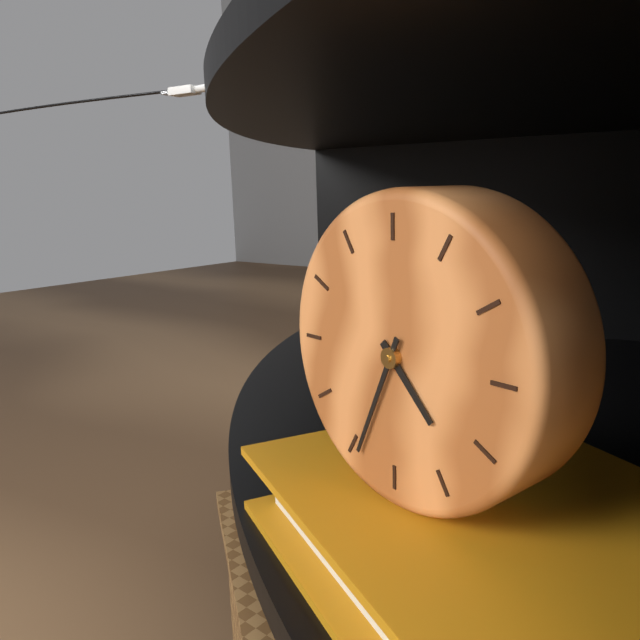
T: 4:34
